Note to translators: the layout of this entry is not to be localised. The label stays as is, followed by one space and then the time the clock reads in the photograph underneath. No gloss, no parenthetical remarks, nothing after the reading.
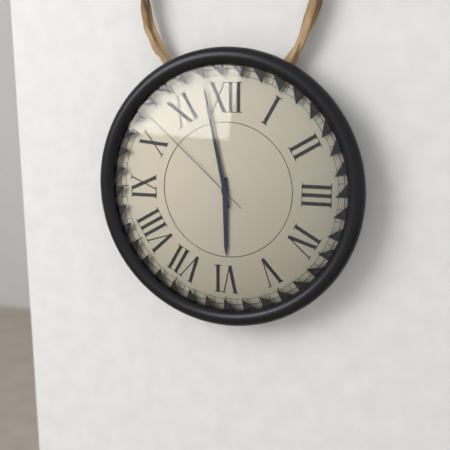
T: 5:58:52
